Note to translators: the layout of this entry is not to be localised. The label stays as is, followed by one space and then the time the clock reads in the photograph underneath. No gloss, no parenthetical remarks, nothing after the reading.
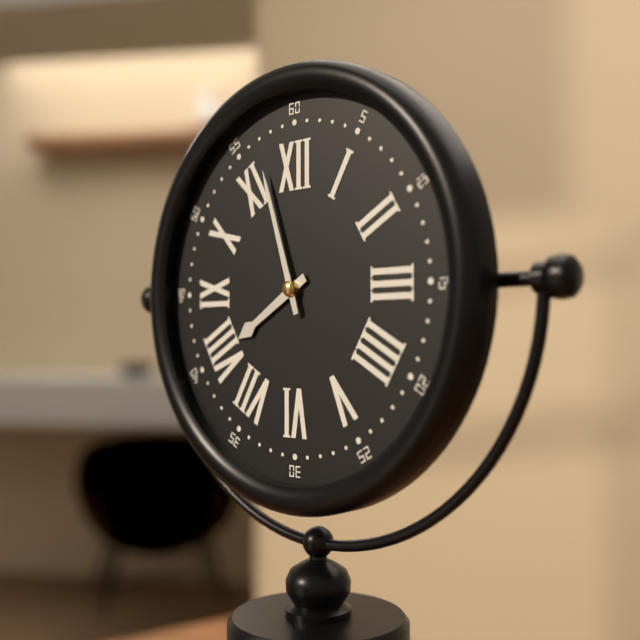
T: 7:57
